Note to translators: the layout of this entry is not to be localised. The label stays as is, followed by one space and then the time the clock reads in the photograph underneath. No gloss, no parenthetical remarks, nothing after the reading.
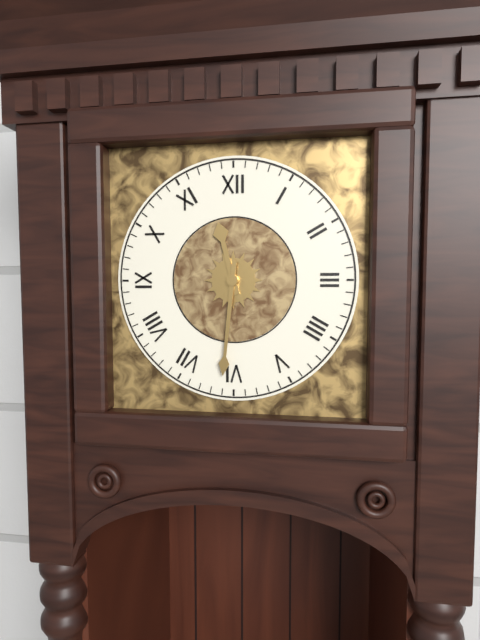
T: 11:31
